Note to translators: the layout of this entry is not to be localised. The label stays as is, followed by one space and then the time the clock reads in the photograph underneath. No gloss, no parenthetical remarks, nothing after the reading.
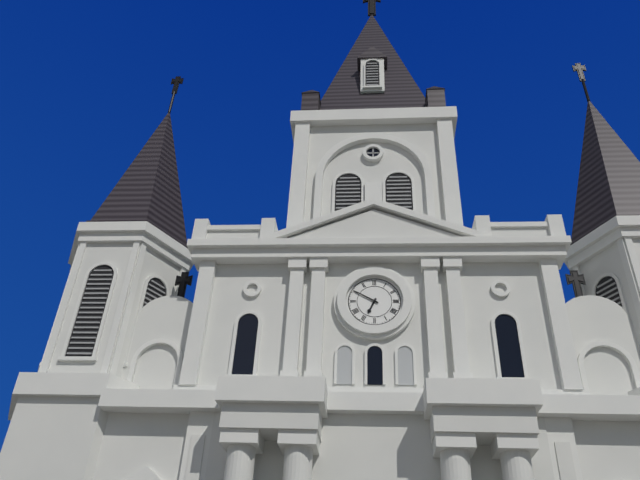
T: 6:50
